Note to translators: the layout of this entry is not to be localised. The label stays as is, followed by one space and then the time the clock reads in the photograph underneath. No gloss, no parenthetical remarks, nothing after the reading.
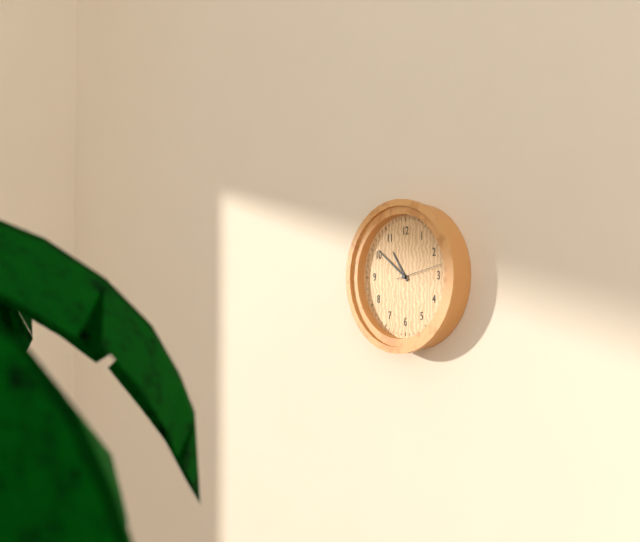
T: 10:51:13
